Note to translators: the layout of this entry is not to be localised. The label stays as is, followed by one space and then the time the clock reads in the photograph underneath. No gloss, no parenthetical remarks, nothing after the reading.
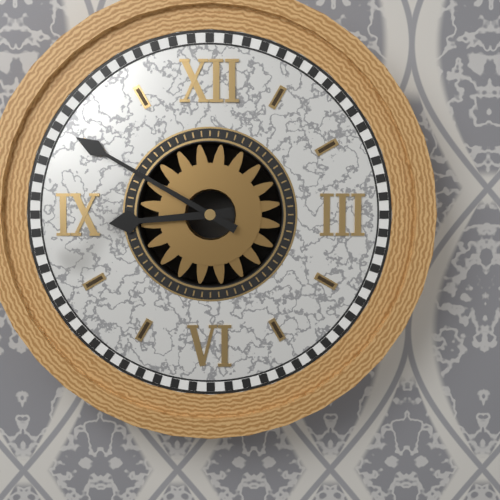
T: 8:50
